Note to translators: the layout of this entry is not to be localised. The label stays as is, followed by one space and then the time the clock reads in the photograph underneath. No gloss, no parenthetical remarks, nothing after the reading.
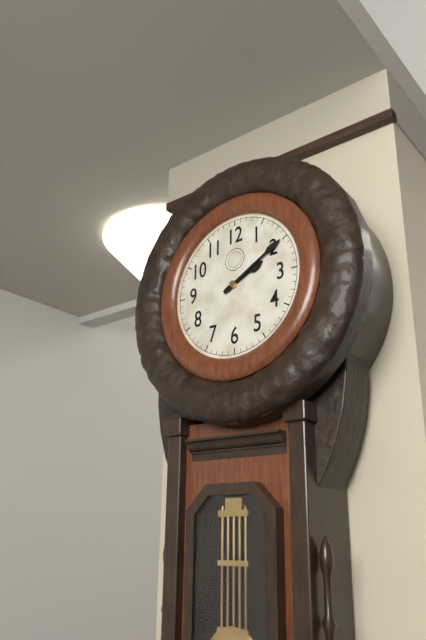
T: 2:10
